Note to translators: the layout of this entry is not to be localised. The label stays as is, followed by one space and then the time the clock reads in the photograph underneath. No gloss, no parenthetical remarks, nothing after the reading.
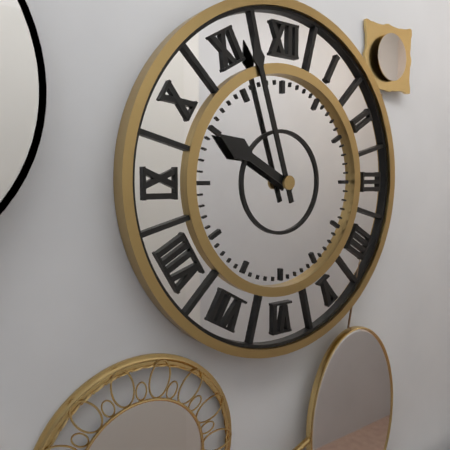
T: 9:57
